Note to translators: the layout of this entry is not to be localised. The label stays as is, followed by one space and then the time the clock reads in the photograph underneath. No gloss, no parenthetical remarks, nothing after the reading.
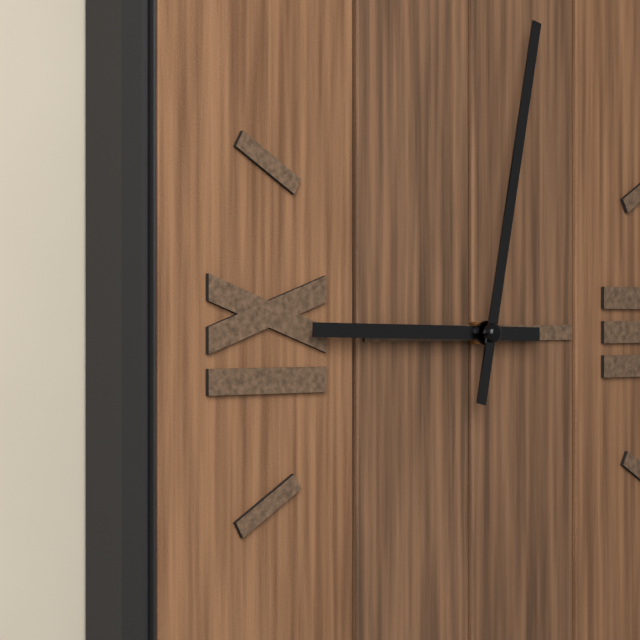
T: 9:02
